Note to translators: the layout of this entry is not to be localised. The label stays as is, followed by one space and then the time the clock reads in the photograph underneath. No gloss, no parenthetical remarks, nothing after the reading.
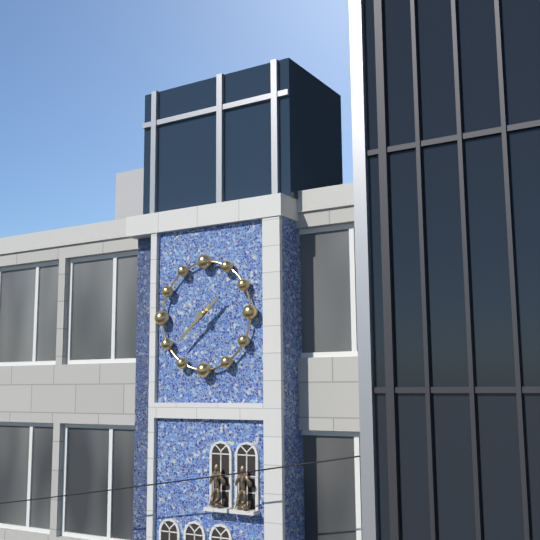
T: 1:38
